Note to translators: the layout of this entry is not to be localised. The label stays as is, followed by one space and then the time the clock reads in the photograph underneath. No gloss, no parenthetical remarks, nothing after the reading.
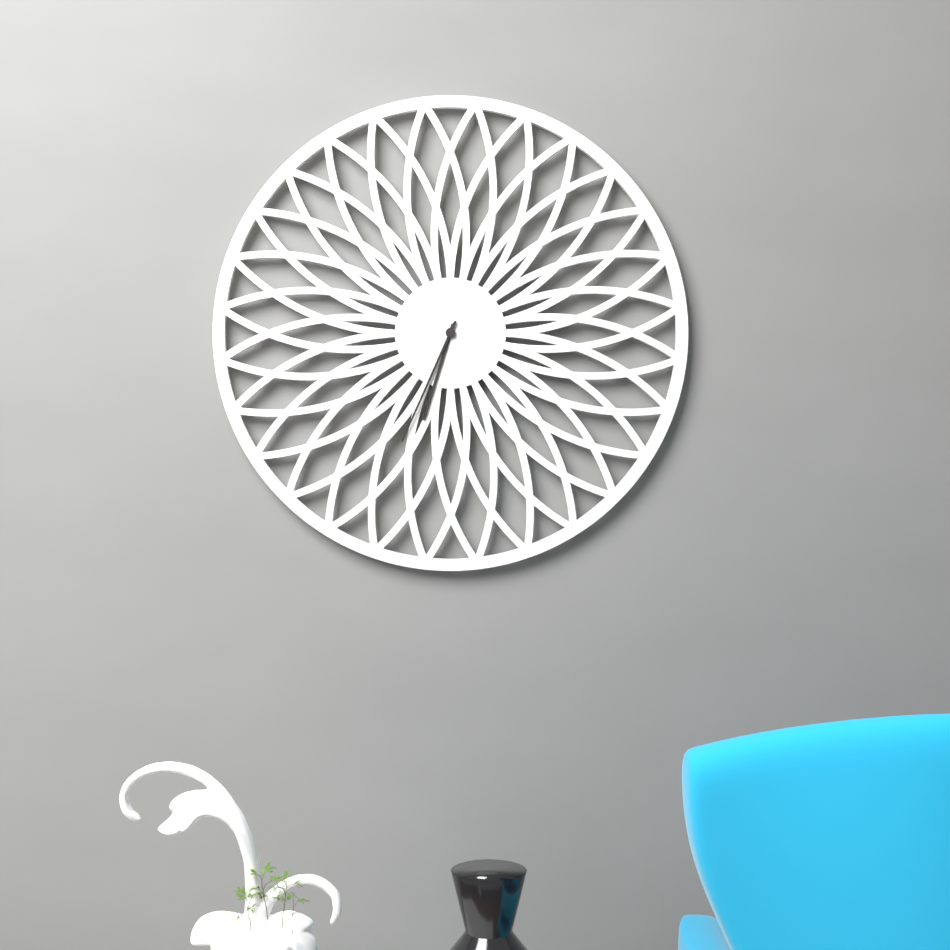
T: 6:34
